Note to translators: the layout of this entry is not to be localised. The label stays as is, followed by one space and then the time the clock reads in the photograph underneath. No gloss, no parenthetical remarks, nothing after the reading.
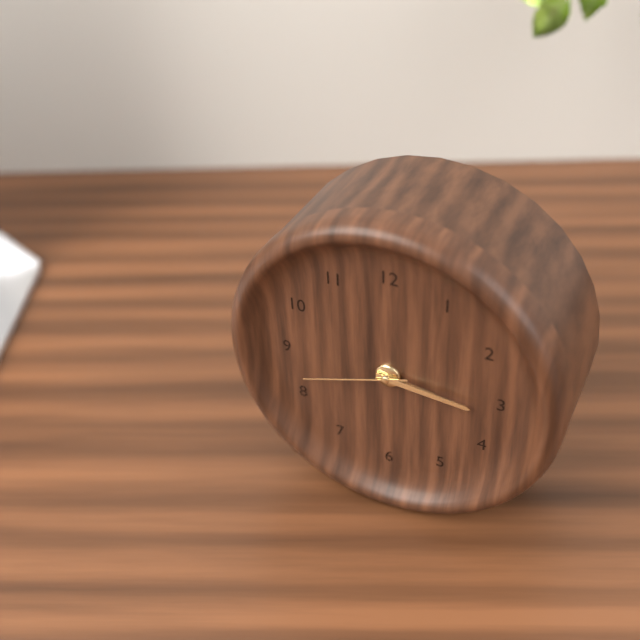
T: 3:16:42
